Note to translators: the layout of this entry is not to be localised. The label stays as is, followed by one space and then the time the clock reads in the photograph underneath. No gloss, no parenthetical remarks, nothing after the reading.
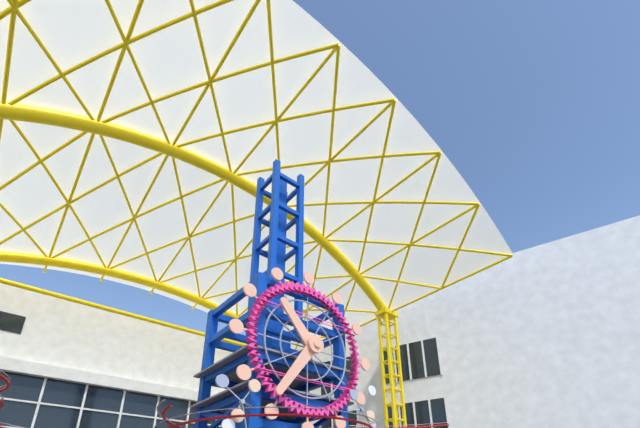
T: 10:36
